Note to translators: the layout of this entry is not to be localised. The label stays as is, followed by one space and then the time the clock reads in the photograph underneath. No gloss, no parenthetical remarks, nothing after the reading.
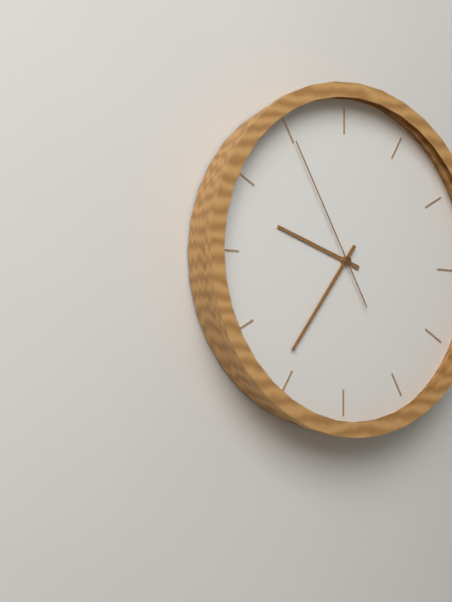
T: 9:36:55
